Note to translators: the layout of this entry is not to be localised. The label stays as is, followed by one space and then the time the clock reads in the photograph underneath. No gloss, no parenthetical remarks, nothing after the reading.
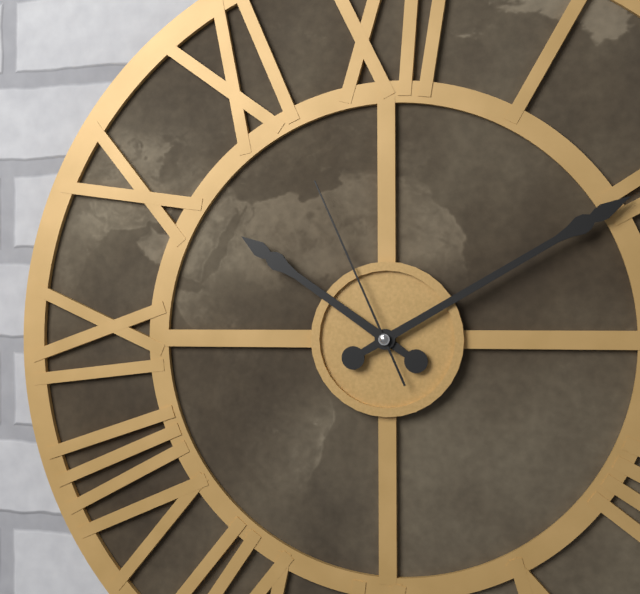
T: 10:10:56
